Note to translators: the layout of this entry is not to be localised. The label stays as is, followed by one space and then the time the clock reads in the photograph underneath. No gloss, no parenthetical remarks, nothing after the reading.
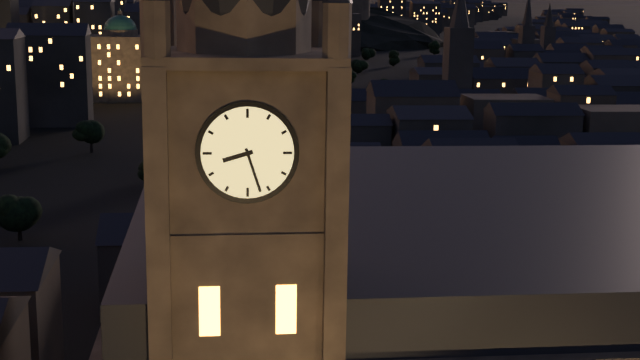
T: 8:27
